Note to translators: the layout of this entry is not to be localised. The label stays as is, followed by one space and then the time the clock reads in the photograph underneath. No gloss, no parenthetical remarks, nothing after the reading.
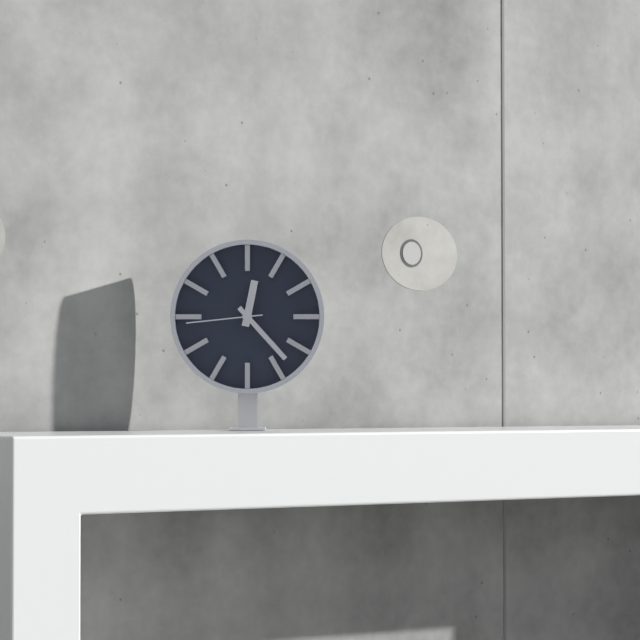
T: 12:23:44
